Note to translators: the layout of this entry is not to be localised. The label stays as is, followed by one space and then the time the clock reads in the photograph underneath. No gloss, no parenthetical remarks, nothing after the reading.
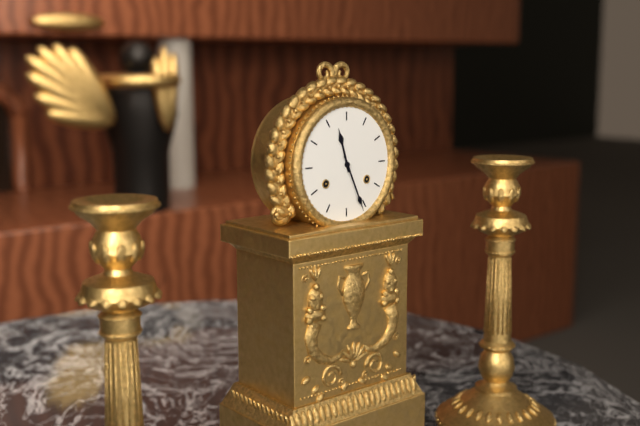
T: 11:26
